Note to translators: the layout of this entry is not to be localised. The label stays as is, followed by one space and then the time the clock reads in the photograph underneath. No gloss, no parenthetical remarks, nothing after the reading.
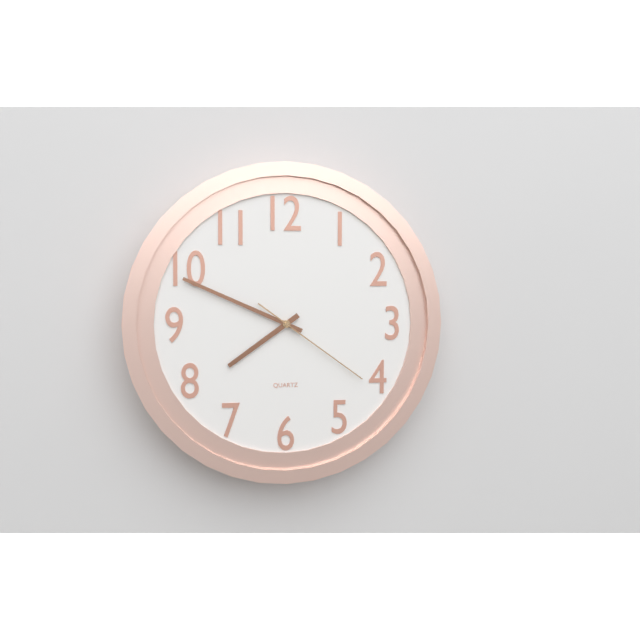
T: 7:49:21
